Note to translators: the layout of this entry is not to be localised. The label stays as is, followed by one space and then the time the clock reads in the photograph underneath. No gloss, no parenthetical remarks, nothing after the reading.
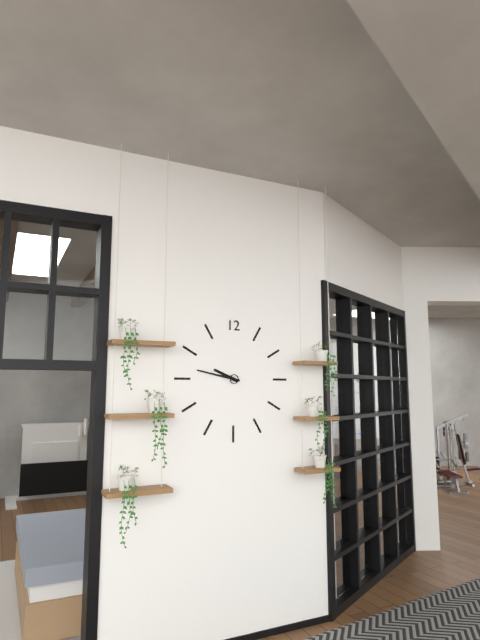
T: 9:47
